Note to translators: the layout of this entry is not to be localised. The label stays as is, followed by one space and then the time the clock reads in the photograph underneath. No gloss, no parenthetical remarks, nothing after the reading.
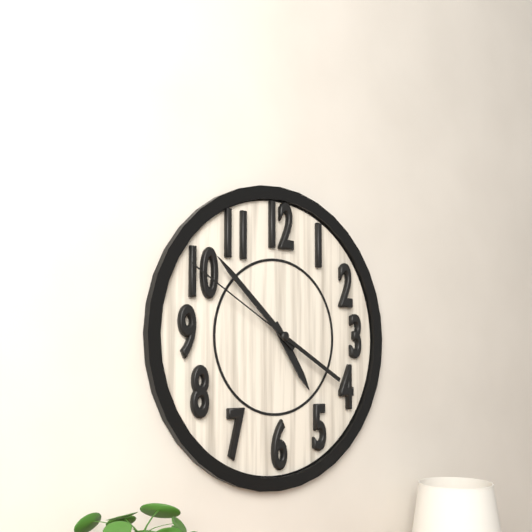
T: 4:52:50
